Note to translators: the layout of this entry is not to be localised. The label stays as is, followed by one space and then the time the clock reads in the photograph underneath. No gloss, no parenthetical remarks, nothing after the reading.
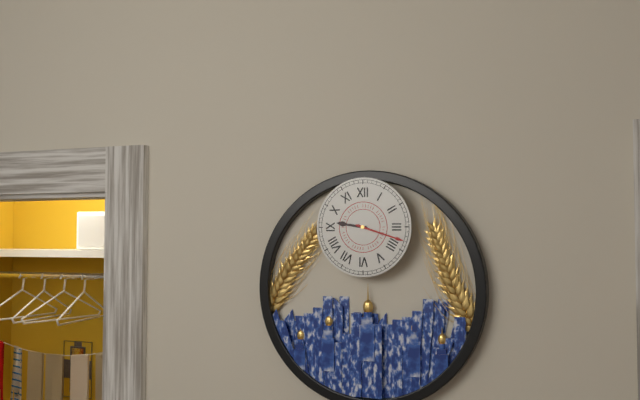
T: 9:18
